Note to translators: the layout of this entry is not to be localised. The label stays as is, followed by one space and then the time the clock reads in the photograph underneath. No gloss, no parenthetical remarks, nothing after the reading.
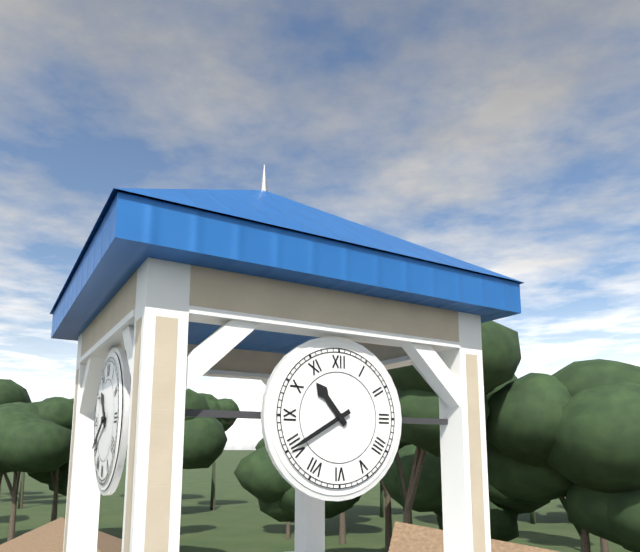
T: 10:40
